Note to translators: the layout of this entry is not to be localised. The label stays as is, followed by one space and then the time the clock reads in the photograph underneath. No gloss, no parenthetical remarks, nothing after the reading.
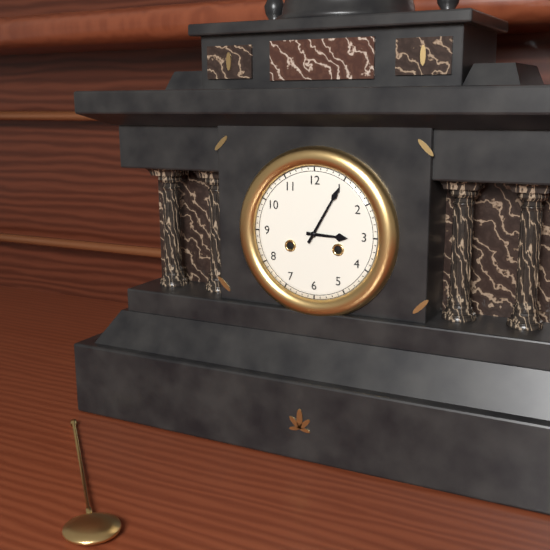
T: 3:05
